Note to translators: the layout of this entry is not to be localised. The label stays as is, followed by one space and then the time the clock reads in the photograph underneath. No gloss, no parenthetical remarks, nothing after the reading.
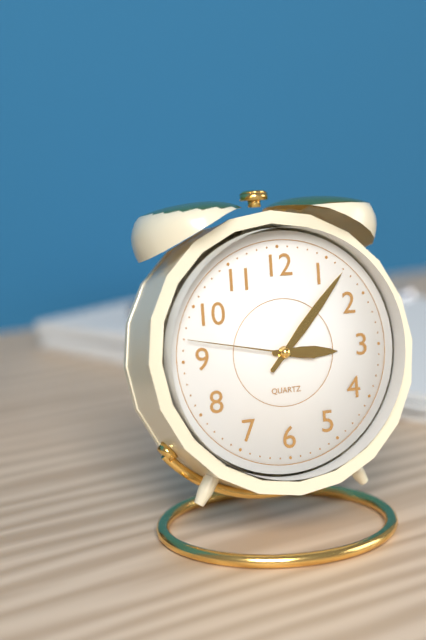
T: 3:07:47
